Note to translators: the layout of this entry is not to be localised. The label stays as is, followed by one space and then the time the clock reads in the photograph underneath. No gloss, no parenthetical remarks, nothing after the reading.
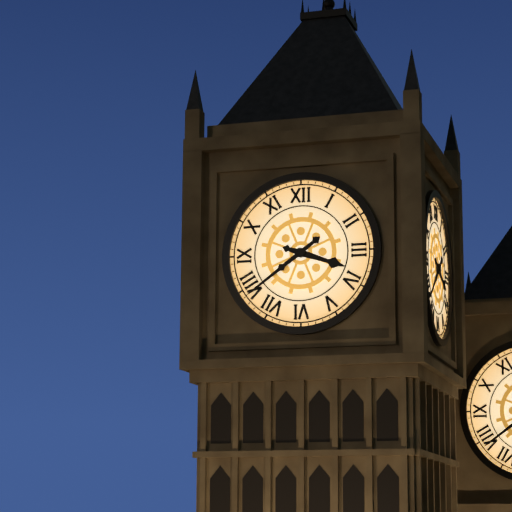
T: 3:39
